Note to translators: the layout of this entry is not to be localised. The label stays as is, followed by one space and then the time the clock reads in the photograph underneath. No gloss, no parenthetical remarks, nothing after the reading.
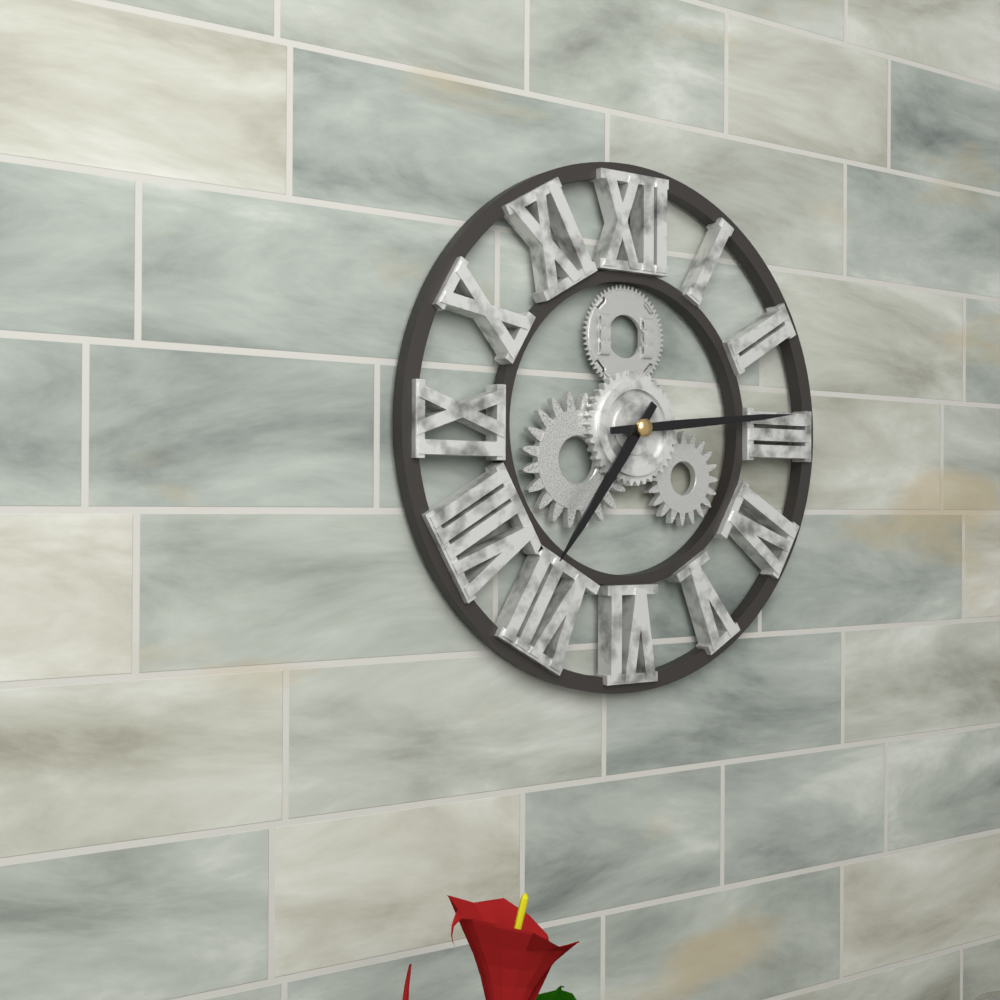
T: 7:14
